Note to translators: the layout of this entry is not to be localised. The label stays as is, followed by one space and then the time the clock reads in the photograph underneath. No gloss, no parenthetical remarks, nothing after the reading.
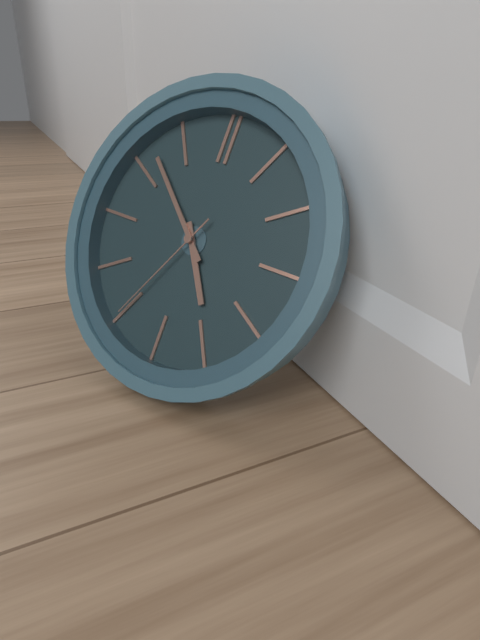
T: 4:52:35
